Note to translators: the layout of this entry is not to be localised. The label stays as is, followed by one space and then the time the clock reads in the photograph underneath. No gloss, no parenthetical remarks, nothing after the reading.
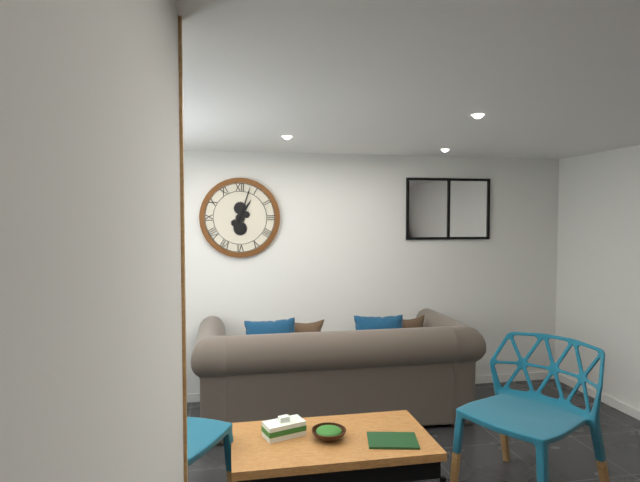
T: 1:03
